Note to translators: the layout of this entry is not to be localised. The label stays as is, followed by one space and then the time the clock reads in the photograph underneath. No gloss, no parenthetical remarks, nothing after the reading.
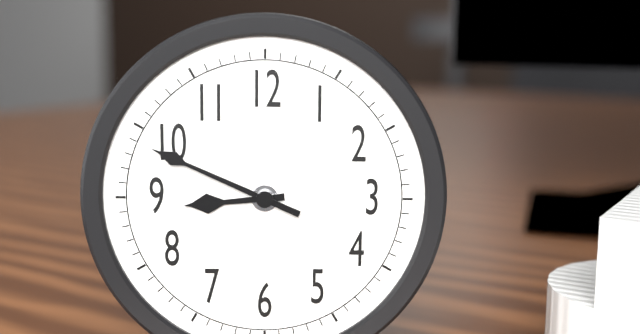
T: 8:49
